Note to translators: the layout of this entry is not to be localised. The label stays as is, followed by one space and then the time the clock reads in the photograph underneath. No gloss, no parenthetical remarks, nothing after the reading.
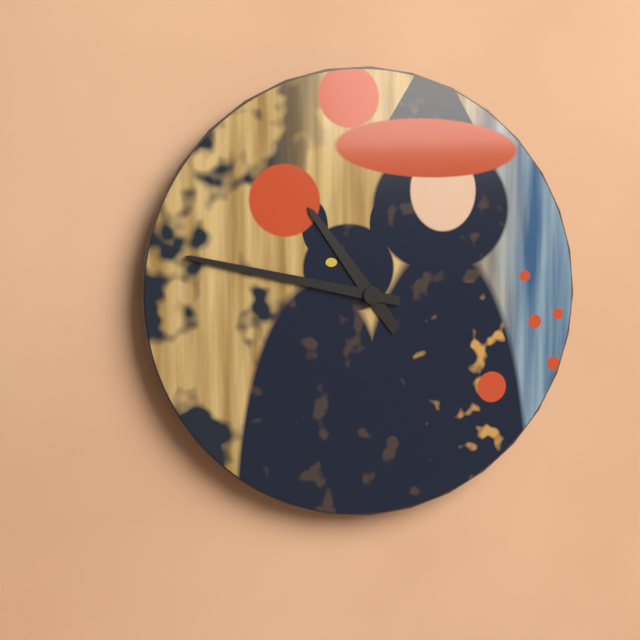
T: 10:47
